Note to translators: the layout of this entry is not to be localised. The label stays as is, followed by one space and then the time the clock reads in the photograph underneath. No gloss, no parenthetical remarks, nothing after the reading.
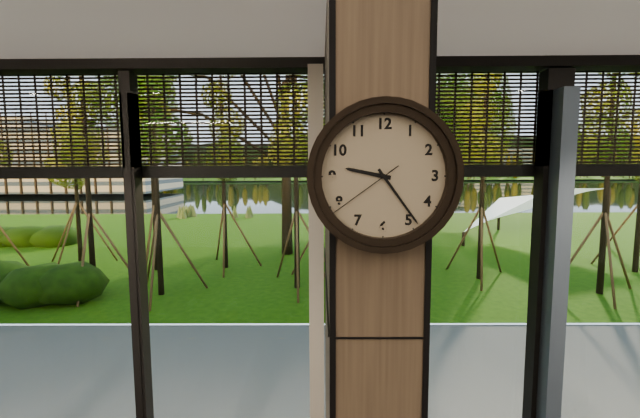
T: 9:24:39
